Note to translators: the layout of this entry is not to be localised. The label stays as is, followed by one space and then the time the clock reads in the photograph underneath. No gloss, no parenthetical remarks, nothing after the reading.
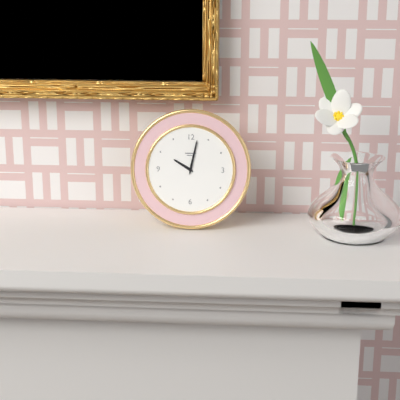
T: 10:02
